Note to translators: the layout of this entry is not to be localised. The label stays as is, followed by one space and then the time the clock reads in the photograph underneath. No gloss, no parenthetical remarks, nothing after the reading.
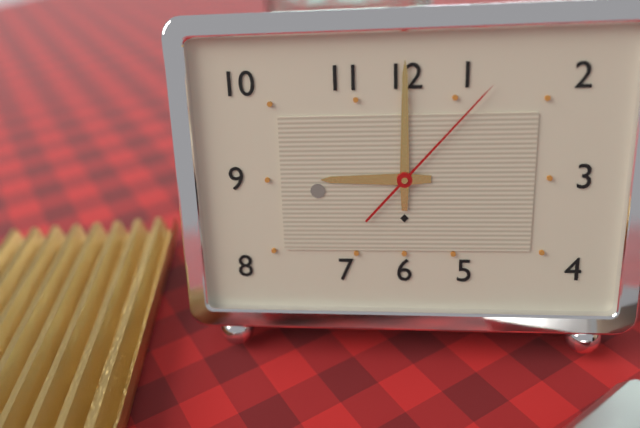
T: 9:00:07
